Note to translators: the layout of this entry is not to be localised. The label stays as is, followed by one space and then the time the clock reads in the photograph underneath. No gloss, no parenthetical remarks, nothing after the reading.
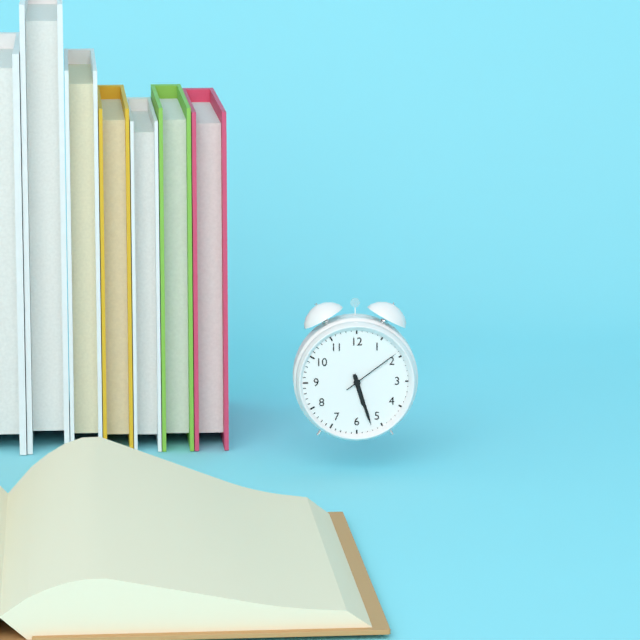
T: 5:27:09
